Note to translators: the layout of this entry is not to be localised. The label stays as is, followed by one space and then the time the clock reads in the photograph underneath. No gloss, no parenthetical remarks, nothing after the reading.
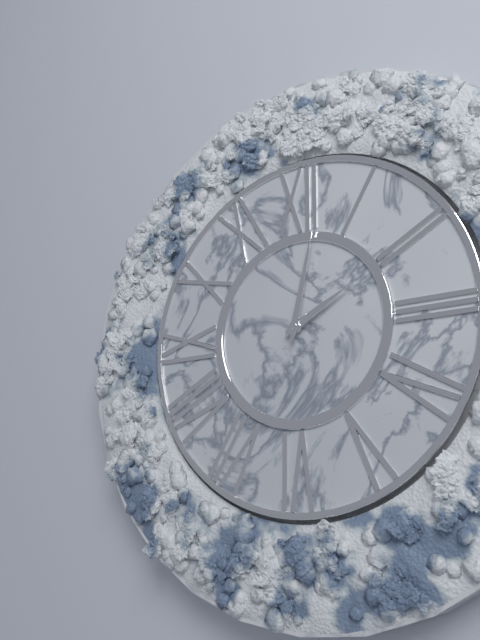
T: 2:02
